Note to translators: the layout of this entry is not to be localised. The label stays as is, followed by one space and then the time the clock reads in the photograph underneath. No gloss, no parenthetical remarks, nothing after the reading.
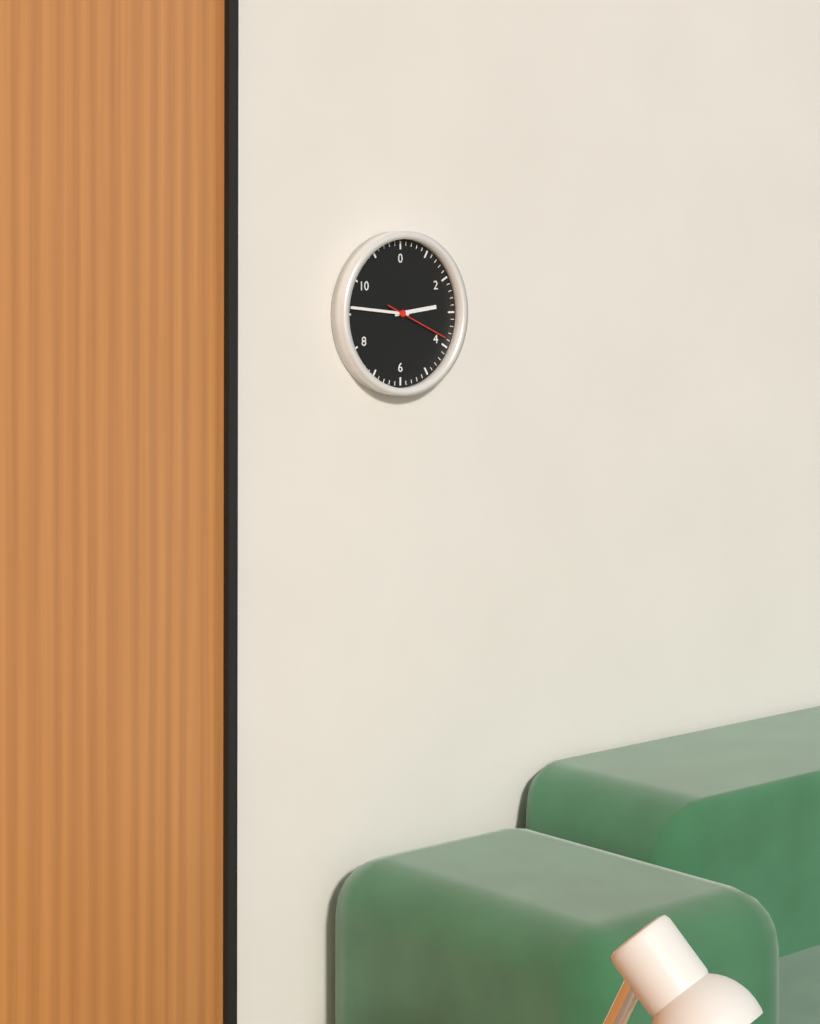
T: 2:46:19
